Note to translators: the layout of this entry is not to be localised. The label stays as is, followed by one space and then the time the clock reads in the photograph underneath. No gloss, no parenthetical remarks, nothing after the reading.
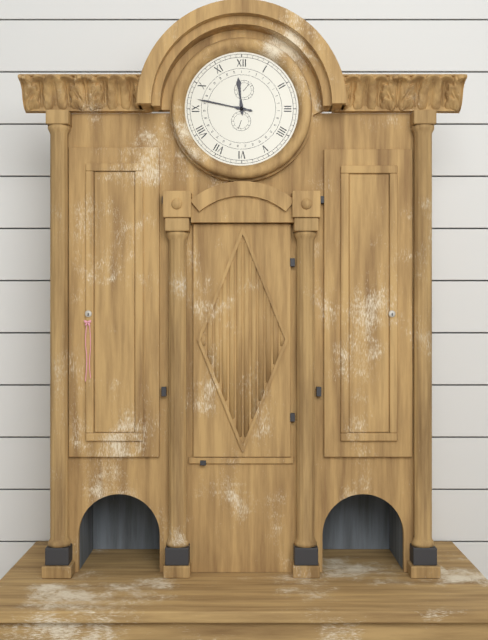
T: 11:47
